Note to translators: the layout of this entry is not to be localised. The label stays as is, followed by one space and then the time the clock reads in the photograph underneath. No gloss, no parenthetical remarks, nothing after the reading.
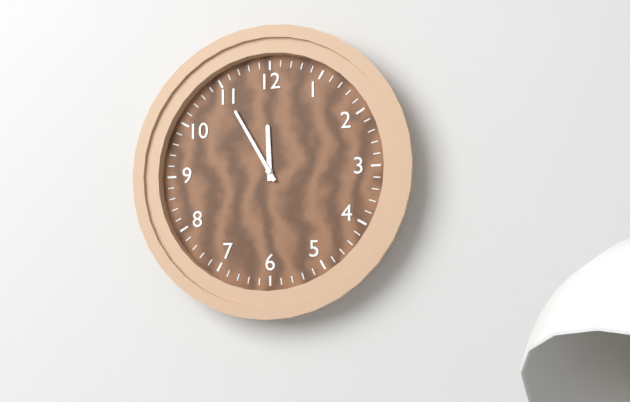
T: 11:55
